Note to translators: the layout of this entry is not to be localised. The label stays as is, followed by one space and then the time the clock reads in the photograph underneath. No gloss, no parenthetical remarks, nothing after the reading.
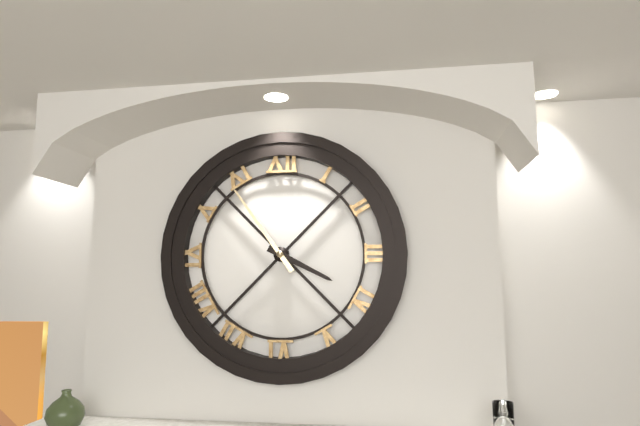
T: 3:54
